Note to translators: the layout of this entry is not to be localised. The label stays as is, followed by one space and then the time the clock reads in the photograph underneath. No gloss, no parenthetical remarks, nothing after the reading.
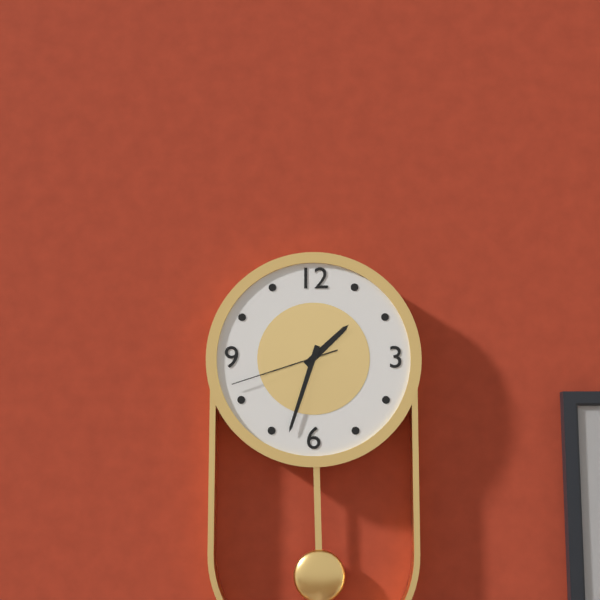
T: 1:33:42
